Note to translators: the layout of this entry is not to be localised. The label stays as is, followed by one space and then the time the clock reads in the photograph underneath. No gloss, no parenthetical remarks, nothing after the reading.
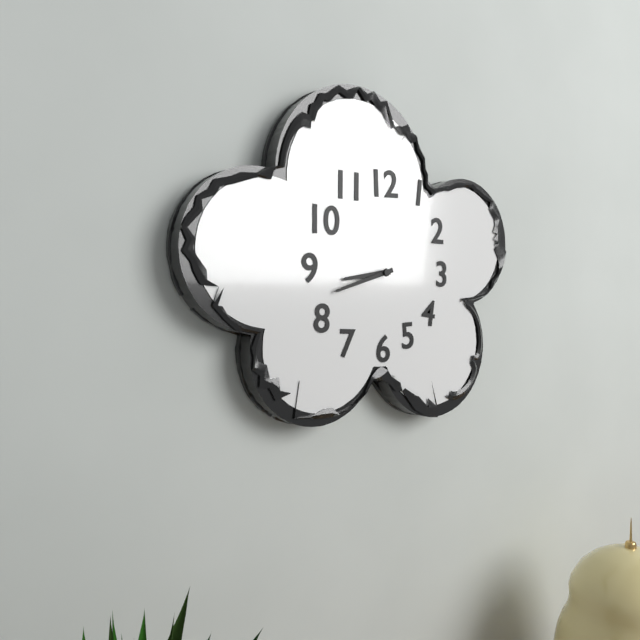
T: 8:42
